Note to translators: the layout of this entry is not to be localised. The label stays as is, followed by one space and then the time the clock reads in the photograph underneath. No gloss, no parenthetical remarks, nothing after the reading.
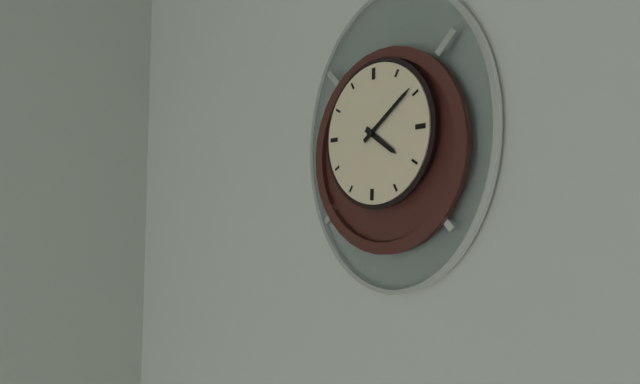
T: 4:09
